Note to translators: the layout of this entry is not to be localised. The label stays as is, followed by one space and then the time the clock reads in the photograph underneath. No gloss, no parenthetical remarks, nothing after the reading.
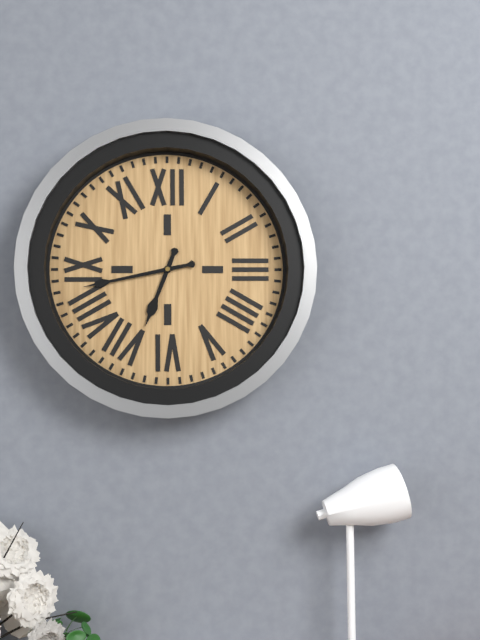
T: 6:43
